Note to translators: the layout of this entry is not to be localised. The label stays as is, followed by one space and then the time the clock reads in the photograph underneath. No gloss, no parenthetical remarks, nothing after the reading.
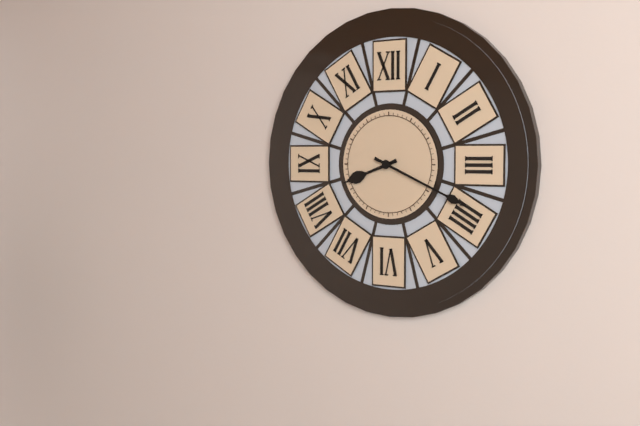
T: 8:19
